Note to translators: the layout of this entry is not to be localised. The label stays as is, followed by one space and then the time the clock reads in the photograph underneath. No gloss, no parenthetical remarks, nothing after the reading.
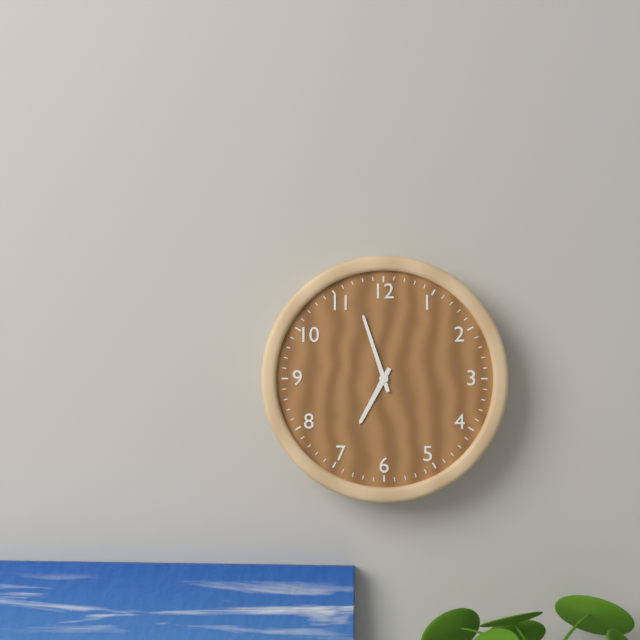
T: 6:57
